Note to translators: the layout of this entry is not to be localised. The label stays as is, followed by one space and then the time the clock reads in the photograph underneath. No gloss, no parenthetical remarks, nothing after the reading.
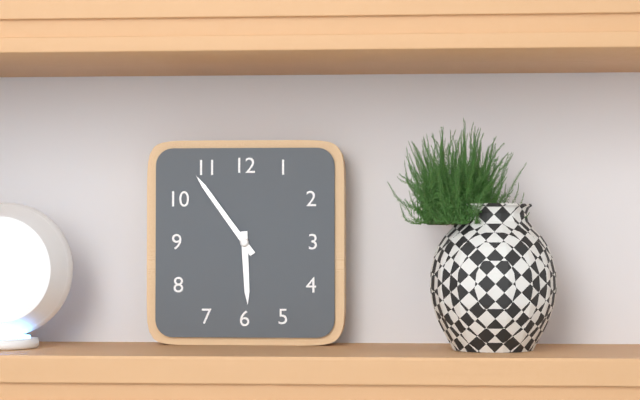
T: 5:54
